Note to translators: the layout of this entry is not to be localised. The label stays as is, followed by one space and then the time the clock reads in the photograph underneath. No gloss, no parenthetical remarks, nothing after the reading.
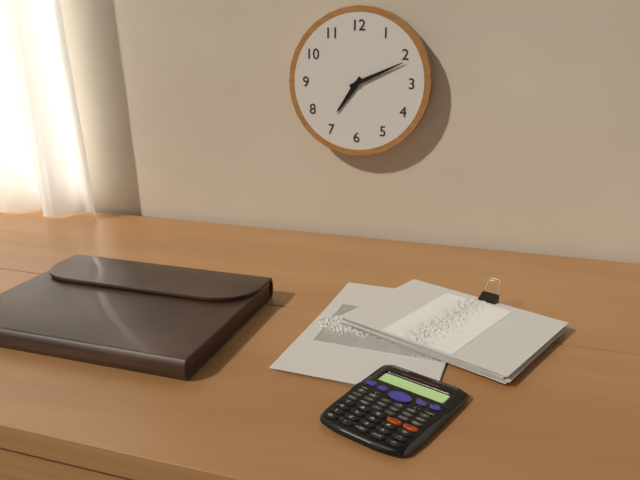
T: 7:11
